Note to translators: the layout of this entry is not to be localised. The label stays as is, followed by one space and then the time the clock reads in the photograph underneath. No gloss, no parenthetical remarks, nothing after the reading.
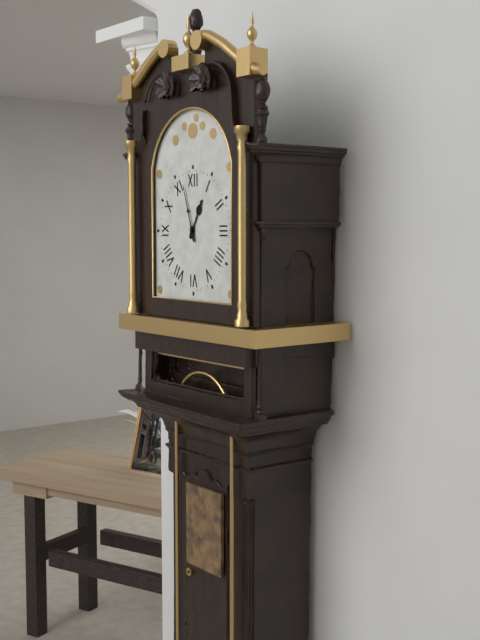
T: 12:57
